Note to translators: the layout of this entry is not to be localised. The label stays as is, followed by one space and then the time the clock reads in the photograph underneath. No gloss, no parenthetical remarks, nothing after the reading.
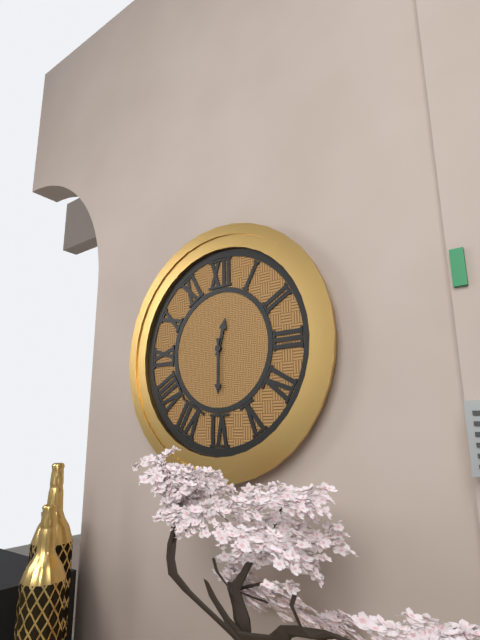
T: 12:30
